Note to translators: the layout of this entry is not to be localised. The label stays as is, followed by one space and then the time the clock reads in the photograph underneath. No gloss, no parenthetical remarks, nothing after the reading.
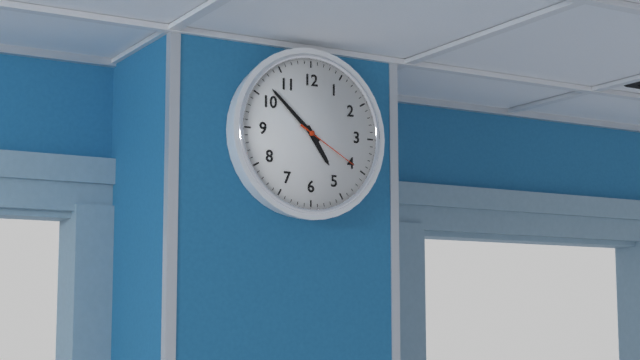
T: 4:52:20
